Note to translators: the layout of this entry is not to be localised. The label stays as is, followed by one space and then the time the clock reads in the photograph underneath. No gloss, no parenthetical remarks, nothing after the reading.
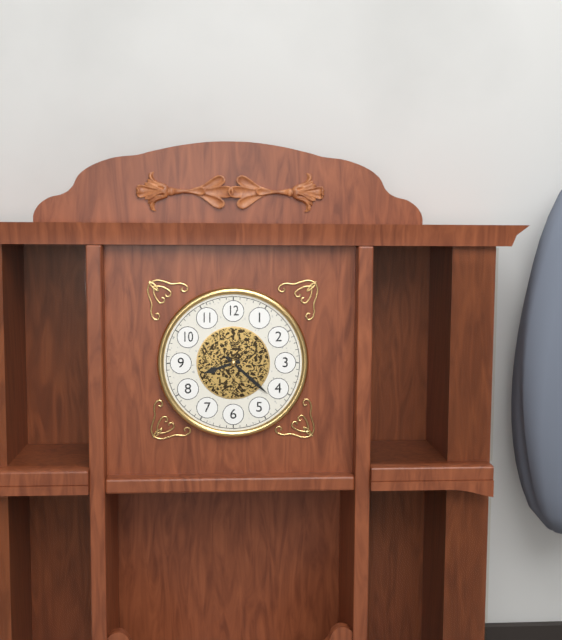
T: 8:22
